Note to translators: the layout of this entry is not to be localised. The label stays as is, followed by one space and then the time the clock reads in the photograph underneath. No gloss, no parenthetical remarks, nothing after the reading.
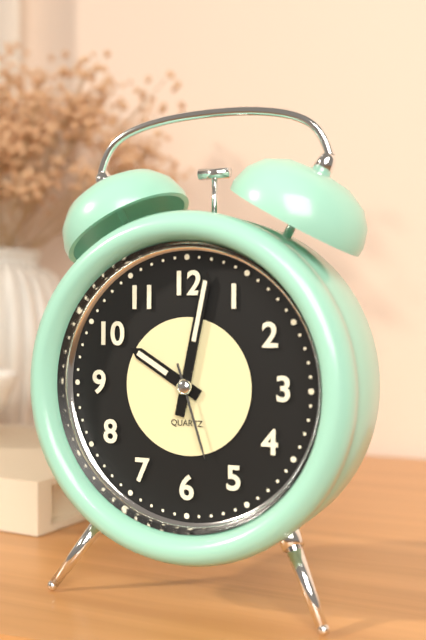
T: 10:02:27
